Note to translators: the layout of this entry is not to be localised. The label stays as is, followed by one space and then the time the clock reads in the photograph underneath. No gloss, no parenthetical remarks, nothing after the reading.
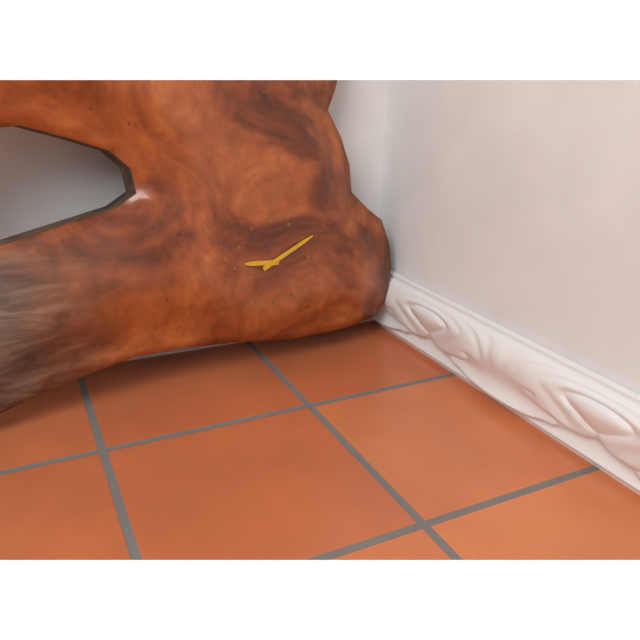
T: 9:11
